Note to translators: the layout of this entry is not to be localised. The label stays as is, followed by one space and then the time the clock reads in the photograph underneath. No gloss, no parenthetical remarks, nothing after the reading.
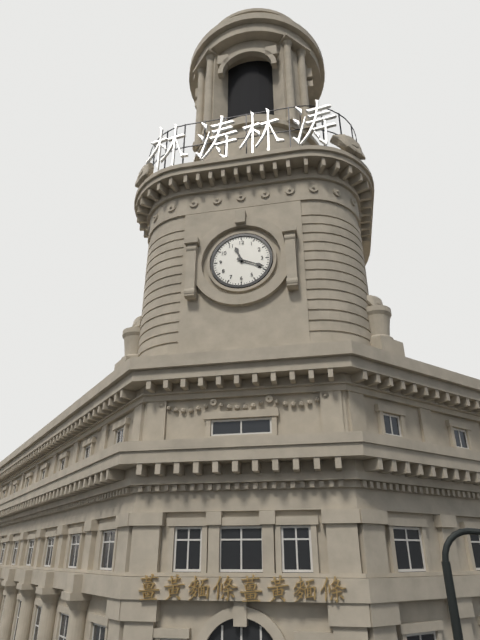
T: 11:19
